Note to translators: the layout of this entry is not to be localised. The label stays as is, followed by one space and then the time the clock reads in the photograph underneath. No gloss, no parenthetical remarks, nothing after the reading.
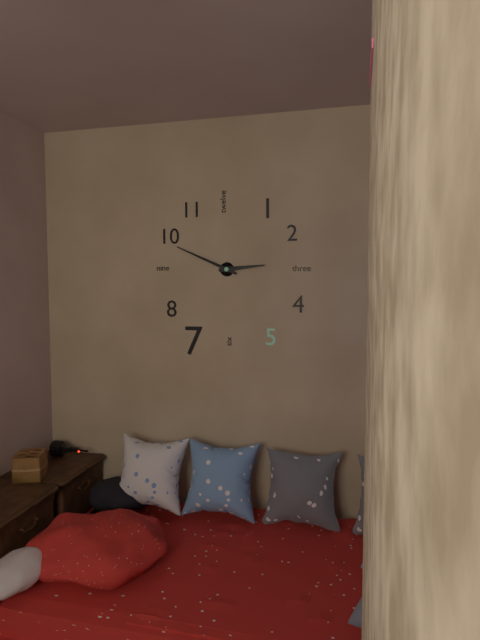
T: 2:49
